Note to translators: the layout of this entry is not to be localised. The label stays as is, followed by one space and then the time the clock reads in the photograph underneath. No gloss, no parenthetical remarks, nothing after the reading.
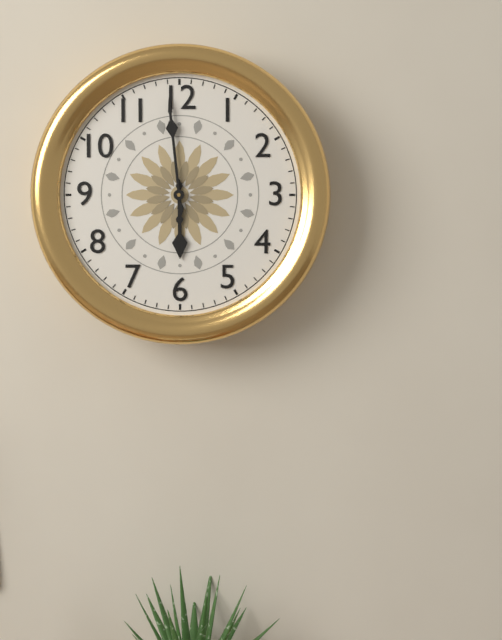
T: 5:59
